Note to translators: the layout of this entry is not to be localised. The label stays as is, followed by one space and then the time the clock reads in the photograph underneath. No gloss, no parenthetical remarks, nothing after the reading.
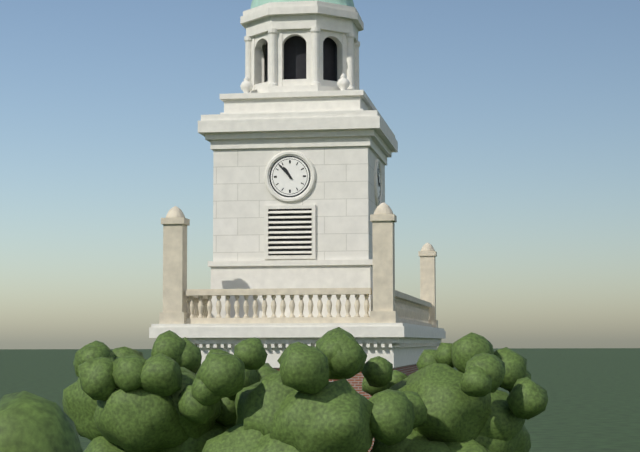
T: 10:53
